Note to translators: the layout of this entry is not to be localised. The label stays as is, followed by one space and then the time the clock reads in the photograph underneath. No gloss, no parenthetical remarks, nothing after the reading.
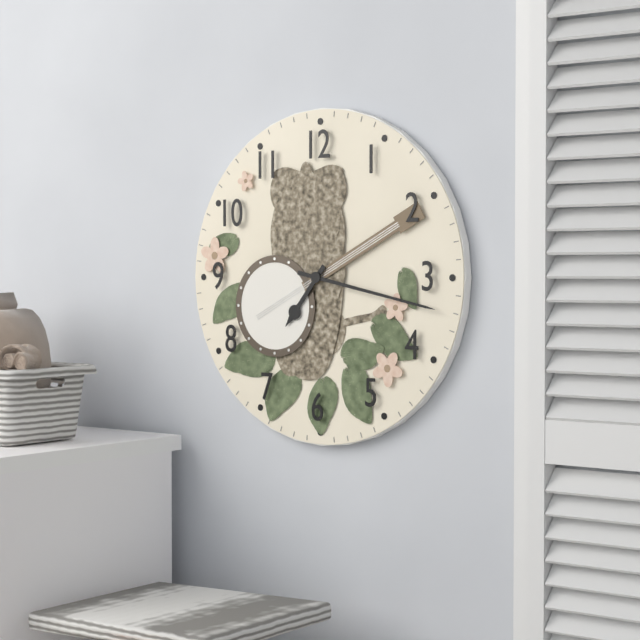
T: 7:17
